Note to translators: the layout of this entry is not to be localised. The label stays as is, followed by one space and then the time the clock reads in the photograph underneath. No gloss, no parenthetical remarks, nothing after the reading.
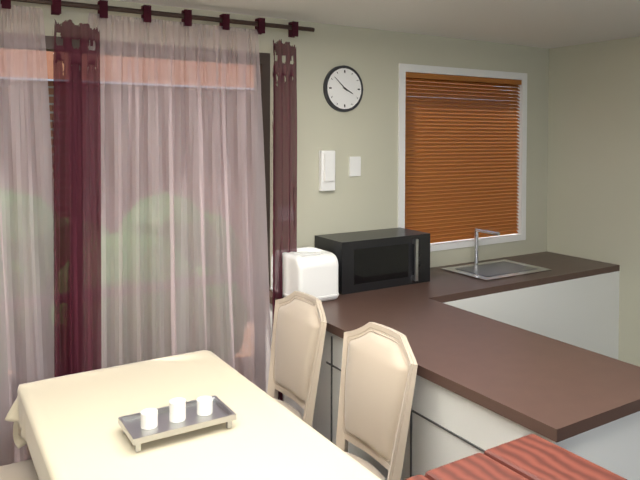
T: 3:52
